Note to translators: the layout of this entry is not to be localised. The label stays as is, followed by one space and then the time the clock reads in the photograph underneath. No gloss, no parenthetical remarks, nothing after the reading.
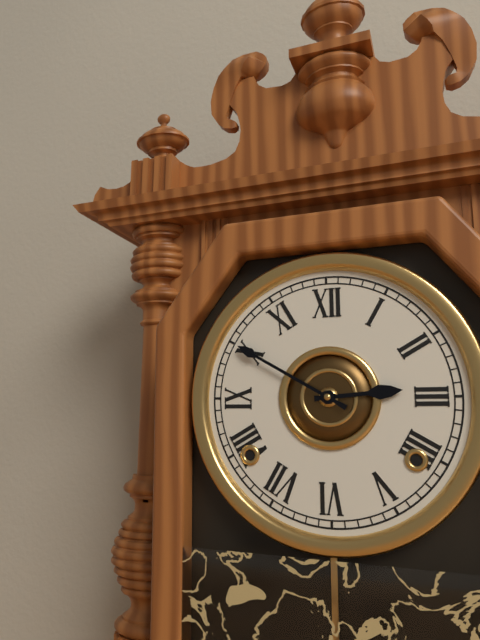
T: 2:50
